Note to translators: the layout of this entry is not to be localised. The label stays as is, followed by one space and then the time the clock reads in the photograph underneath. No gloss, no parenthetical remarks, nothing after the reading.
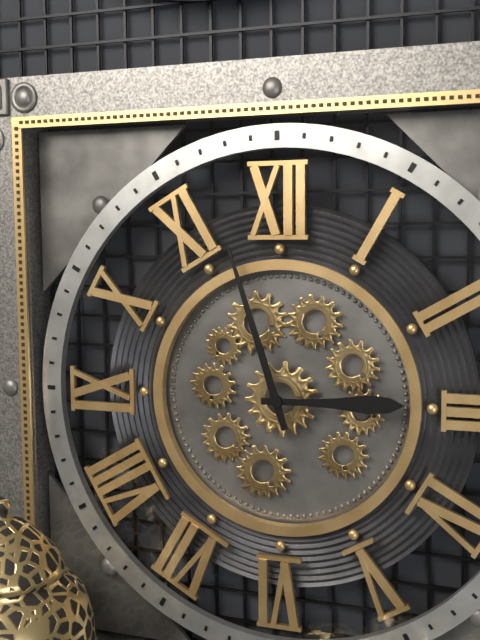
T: 2:57
